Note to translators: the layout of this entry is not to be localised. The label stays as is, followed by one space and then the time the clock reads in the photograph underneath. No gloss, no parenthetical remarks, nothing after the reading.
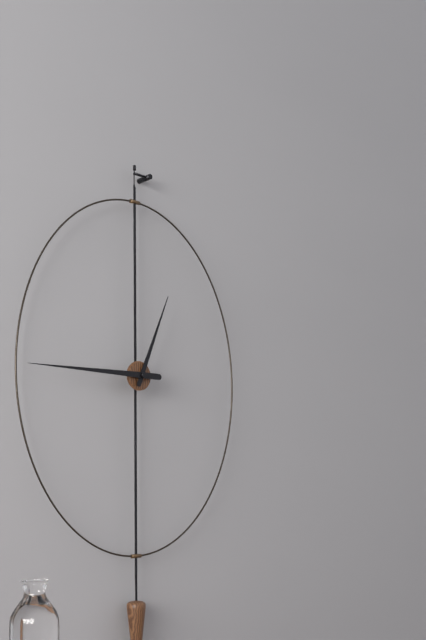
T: 12:45
